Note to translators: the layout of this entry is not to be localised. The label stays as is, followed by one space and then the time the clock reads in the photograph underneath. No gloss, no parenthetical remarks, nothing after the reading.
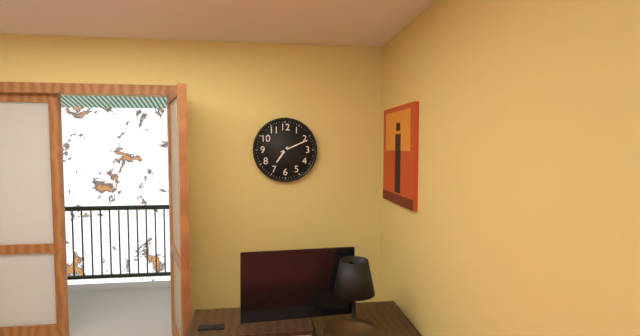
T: 7:11
